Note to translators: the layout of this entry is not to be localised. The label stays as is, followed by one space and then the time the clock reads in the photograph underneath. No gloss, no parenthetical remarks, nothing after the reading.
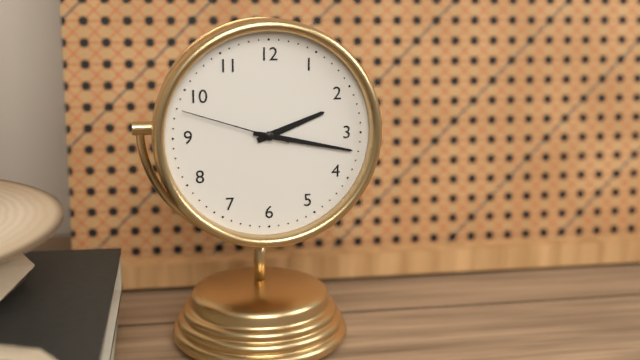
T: 2:17:48
